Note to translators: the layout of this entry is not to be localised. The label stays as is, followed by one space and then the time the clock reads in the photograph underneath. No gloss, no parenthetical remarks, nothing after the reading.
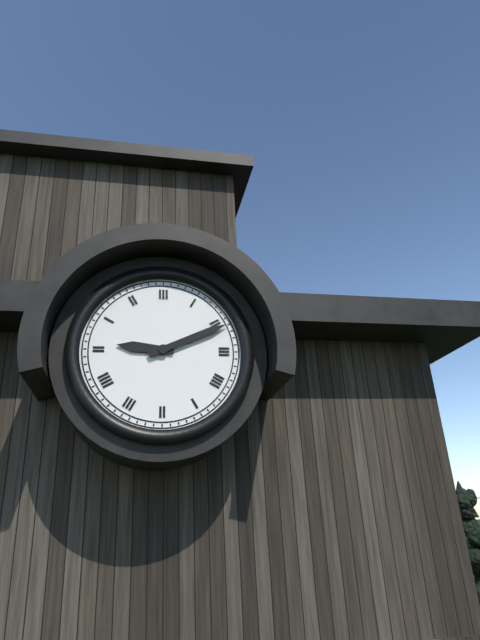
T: 9:11
